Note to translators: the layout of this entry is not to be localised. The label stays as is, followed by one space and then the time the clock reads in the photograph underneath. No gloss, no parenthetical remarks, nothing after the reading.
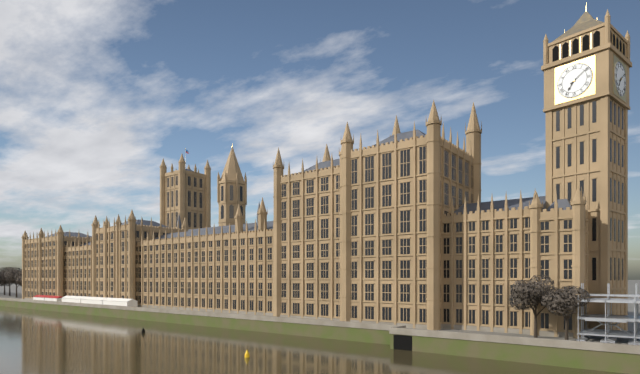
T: 7:09
